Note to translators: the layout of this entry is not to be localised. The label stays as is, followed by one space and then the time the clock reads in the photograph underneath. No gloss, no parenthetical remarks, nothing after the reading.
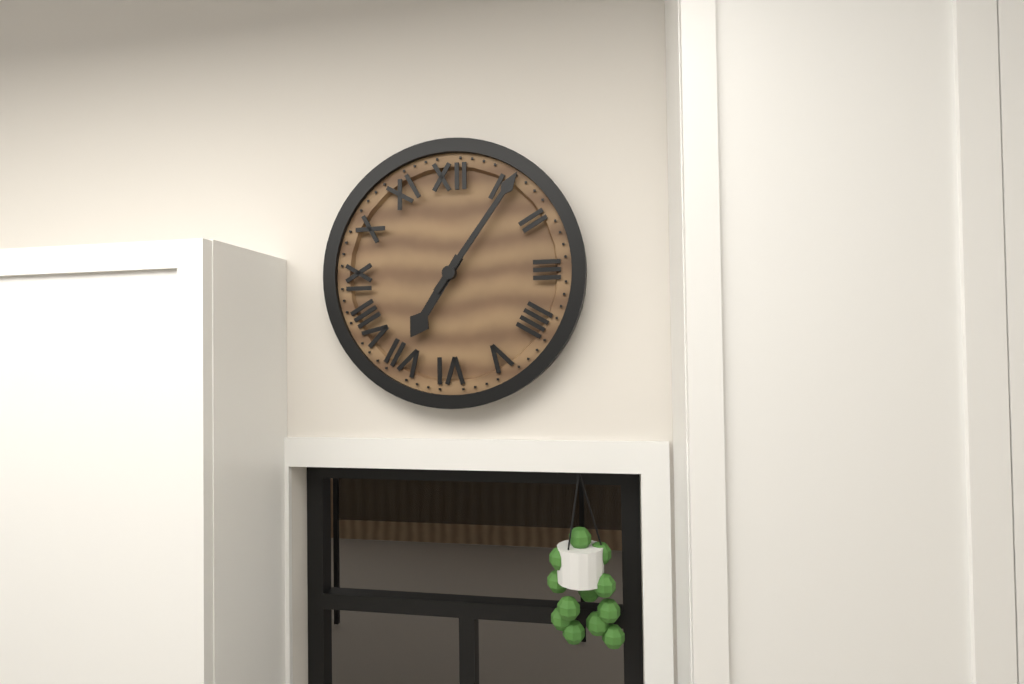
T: 7:06
